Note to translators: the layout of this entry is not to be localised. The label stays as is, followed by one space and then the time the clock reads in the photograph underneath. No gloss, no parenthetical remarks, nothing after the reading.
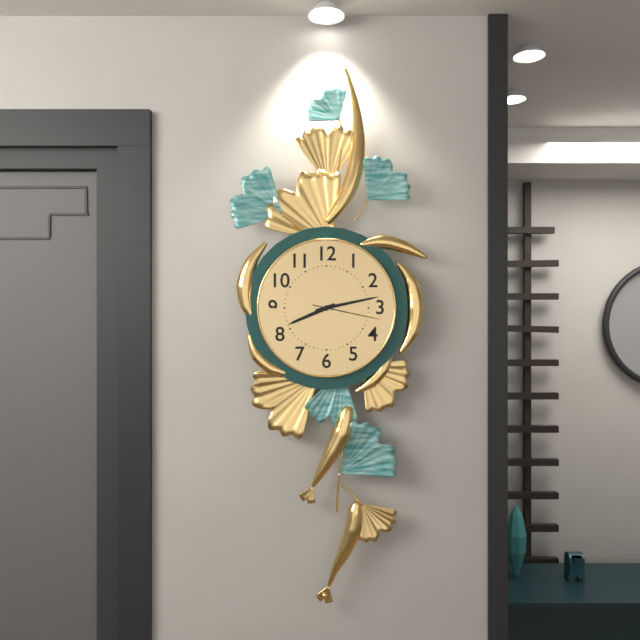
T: 8:13:17
